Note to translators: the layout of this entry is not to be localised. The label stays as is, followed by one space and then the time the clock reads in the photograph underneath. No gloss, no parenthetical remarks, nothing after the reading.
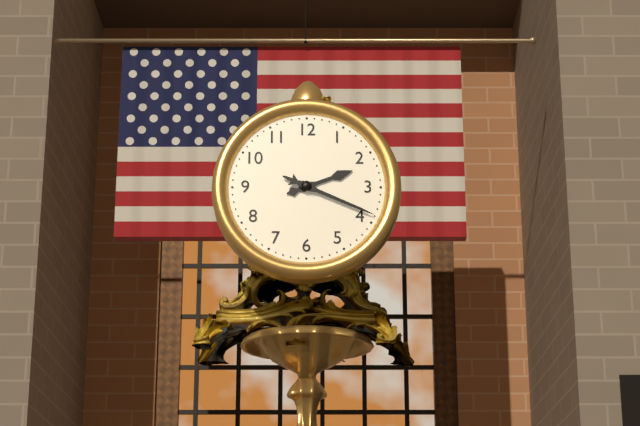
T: 2:19
